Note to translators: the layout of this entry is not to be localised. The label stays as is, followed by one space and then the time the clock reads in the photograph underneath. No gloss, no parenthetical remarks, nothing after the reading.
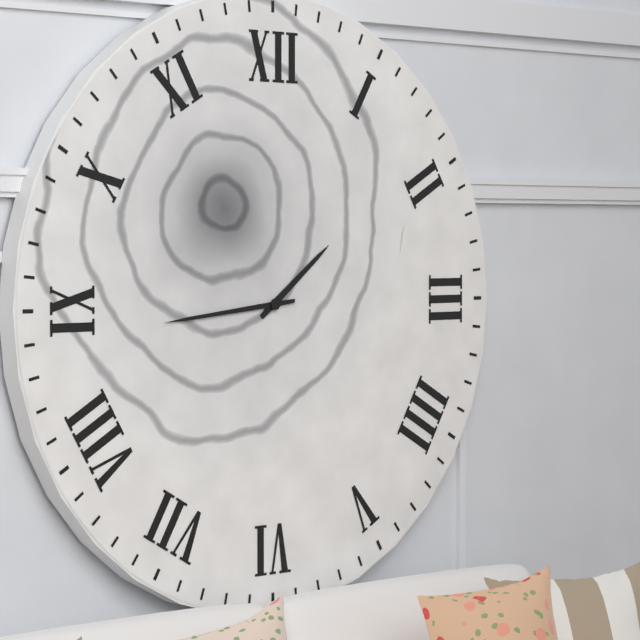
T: 1:44
